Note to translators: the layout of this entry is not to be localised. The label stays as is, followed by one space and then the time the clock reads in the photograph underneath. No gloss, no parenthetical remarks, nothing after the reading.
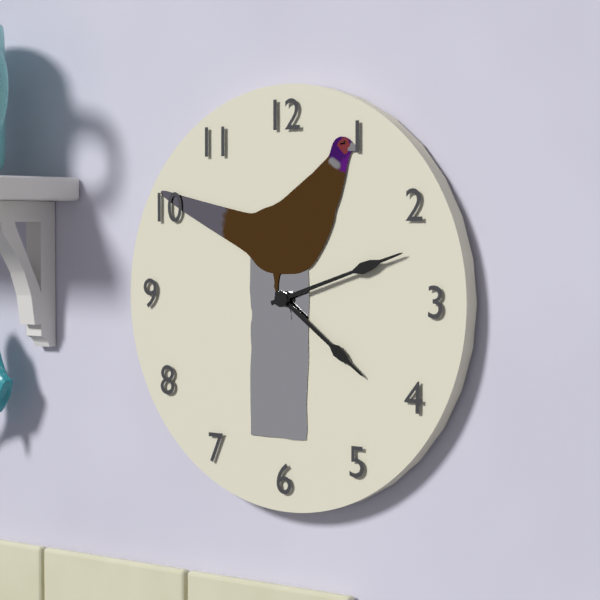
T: 4:12
